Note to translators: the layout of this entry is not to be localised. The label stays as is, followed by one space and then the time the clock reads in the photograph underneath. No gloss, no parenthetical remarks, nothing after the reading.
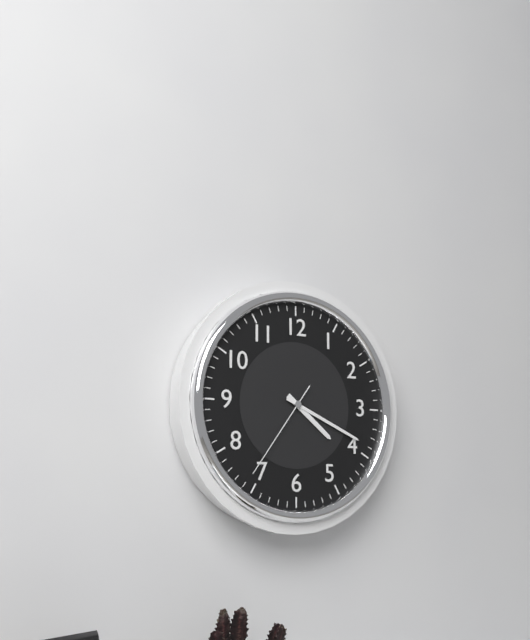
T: 4:19:36
